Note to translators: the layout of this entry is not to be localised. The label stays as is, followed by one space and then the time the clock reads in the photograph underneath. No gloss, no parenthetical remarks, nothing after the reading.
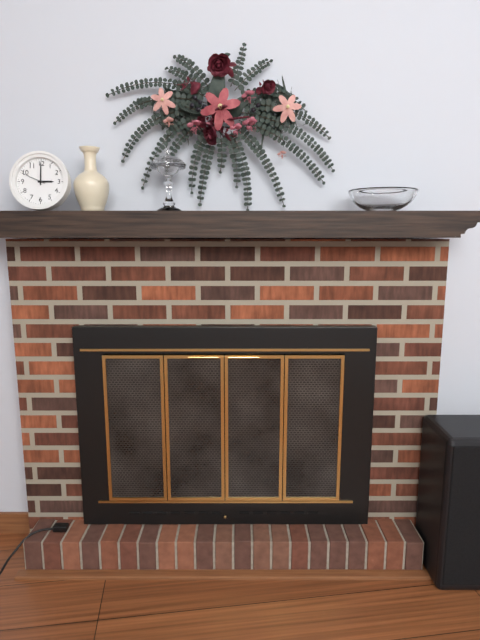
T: 3:00
